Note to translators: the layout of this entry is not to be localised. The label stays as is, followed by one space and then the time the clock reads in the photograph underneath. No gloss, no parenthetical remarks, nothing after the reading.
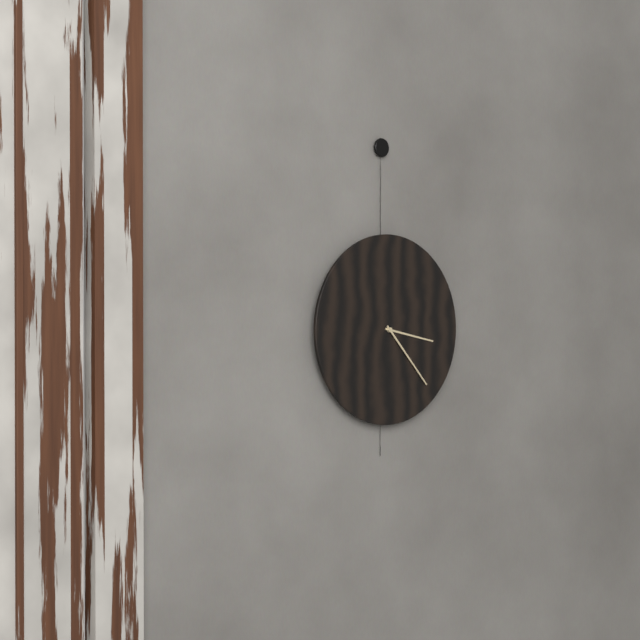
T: 3:23
